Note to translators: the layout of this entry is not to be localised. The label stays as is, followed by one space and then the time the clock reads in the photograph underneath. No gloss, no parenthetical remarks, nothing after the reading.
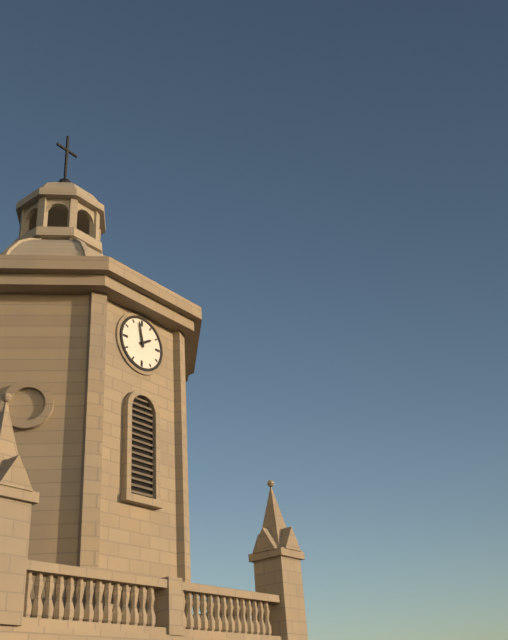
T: 1:58
